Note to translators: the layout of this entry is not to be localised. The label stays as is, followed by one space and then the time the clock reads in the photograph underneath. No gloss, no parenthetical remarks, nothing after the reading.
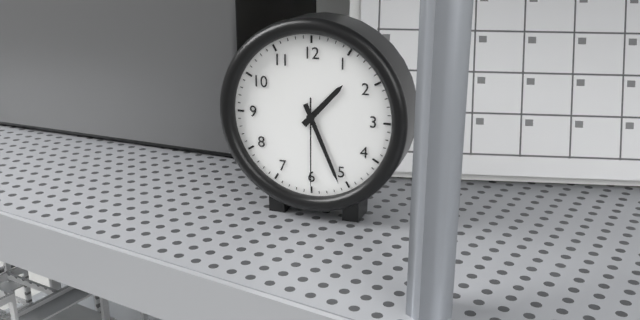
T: 1:26:30
